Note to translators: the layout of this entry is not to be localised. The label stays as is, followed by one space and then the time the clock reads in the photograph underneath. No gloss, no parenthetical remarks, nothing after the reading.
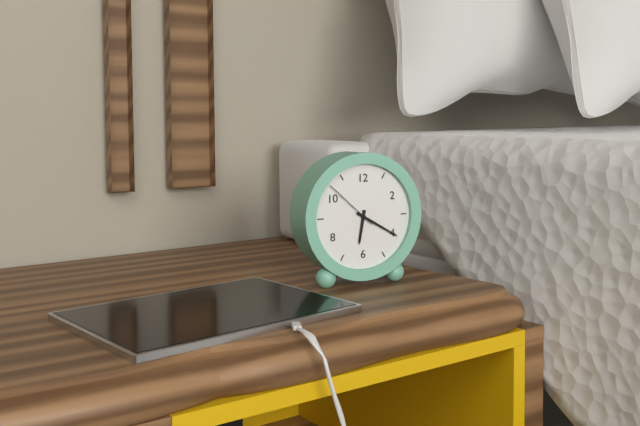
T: 6:20:52
